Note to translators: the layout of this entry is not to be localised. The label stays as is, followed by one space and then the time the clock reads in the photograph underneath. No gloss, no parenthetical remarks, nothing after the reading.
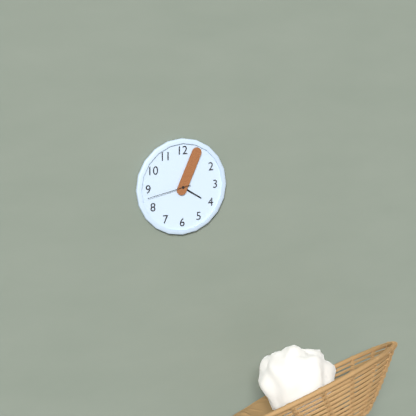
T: 4:04
